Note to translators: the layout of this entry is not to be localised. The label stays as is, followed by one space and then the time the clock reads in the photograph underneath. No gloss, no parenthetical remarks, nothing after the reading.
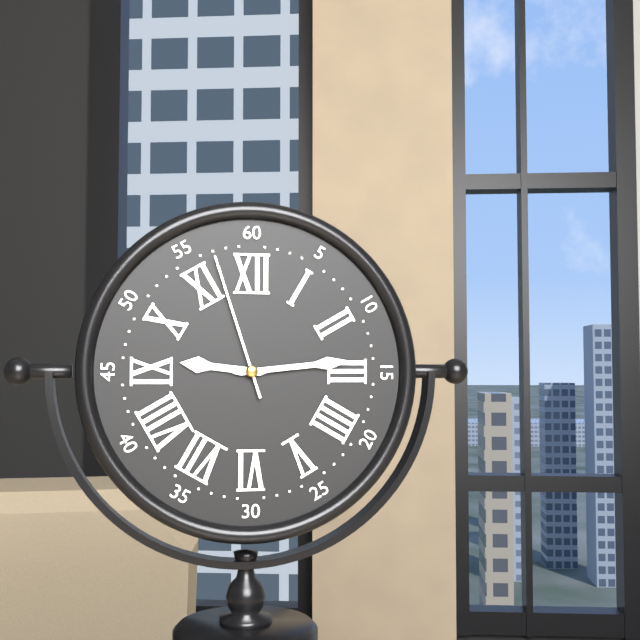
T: 9:14:57
